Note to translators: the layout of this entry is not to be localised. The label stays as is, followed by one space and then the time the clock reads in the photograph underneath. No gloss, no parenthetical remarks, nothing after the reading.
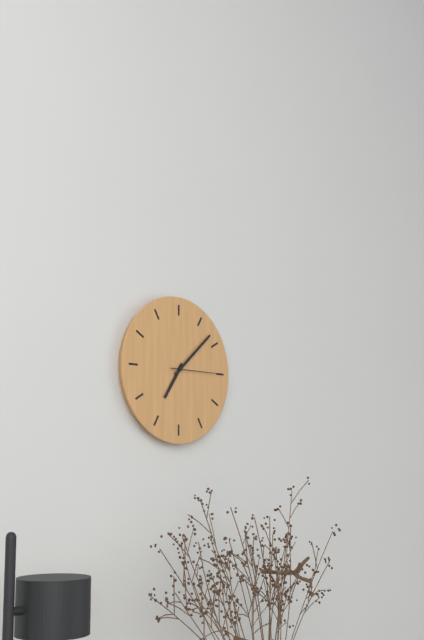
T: 7:08:15
